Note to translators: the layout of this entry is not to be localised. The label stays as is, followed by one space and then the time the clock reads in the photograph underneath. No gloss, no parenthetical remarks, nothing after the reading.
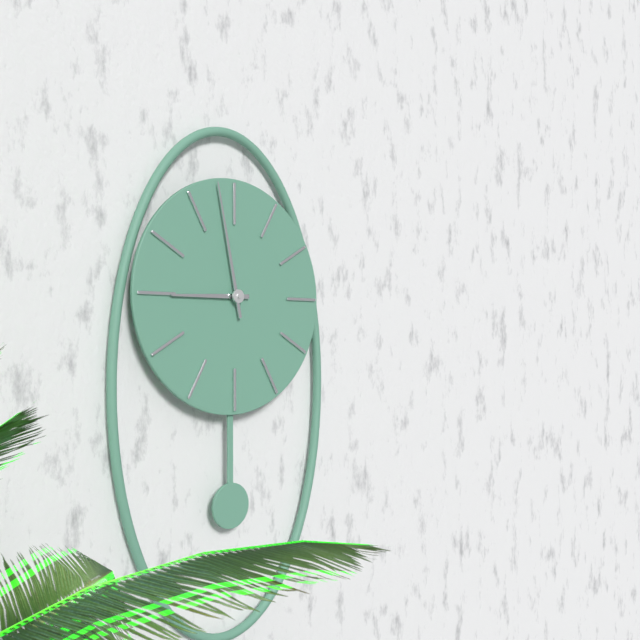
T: 8:58
